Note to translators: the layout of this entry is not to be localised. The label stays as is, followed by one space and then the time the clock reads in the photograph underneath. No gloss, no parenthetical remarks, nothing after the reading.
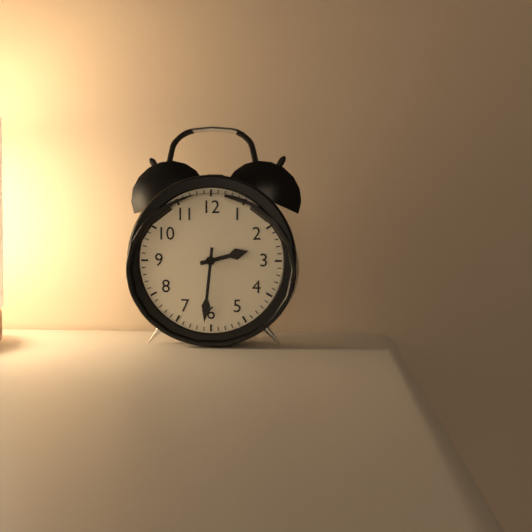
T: 2:31
